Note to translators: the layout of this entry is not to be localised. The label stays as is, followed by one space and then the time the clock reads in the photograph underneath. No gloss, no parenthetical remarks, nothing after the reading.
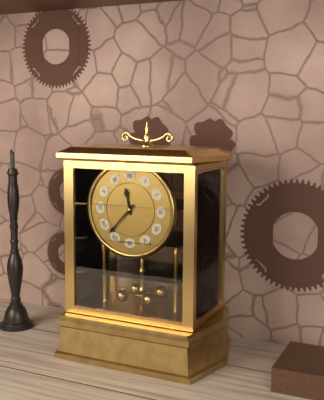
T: 11:37
